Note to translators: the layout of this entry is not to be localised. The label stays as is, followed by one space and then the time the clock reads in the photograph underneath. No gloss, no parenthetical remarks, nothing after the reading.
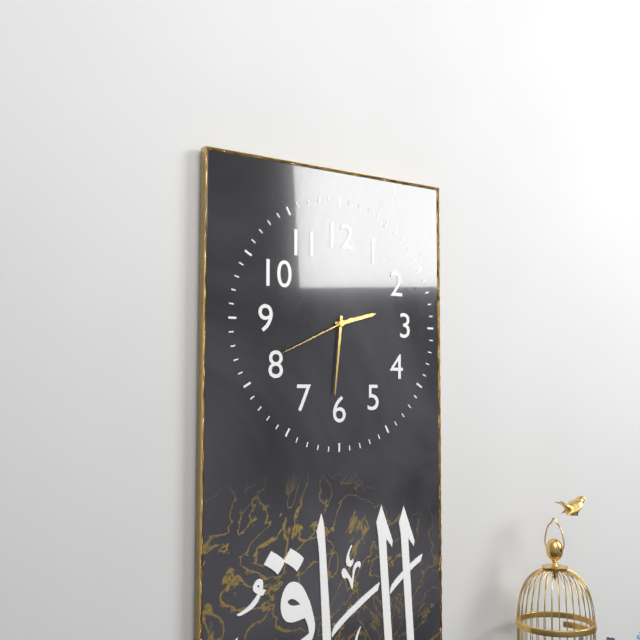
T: 2:31:41
